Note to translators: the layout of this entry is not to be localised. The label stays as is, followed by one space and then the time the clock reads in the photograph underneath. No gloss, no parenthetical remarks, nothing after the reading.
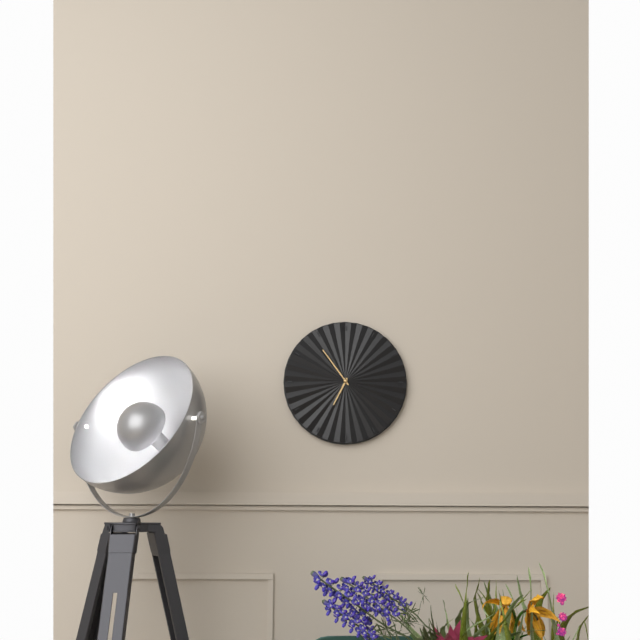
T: 6:54
